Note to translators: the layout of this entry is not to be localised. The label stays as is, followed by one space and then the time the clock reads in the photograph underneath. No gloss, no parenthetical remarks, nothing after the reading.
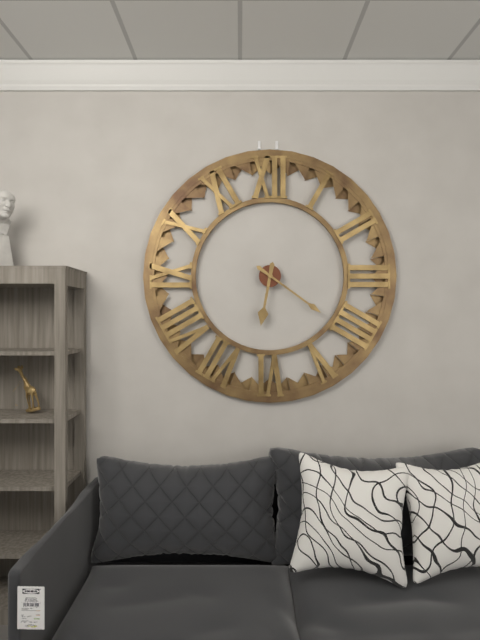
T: 6:21
